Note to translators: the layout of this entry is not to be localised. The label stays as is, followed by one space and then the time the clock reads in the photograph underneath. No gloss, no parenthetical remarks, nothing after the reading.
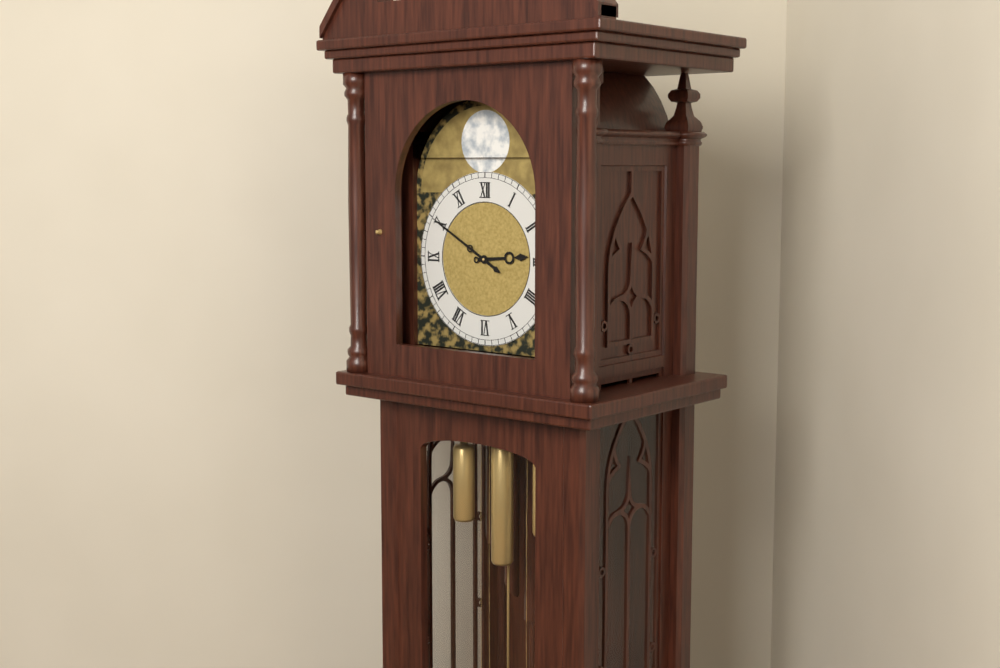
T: 2:50
